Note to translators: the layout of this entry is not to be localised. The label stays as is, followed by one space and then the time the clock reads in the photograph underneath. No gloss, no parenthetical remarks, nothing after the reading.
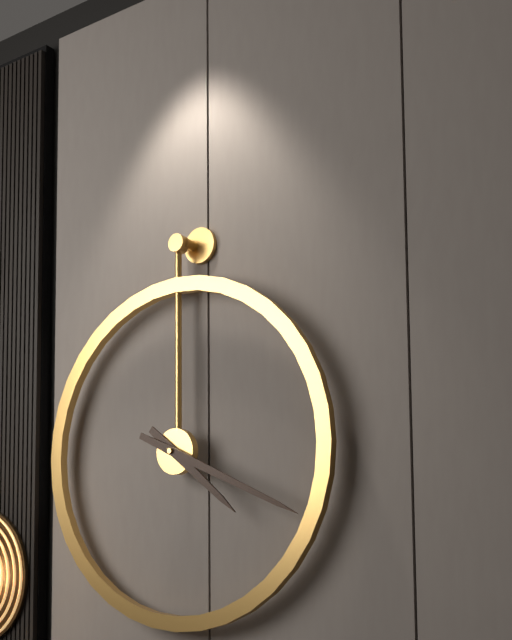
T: 4:19
